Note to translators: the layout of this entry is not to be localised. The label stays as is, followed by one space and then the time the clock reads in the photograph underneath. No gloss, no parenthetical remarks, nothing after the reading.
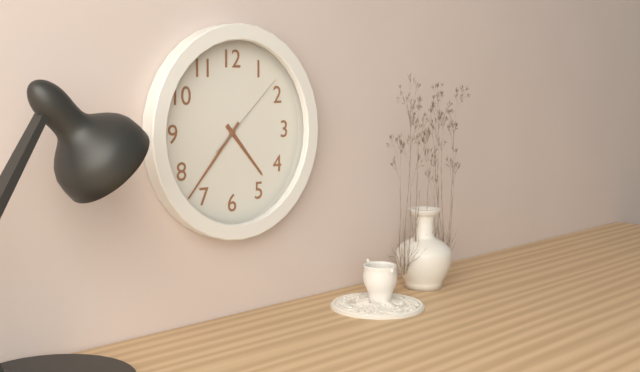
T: 4:37:08
